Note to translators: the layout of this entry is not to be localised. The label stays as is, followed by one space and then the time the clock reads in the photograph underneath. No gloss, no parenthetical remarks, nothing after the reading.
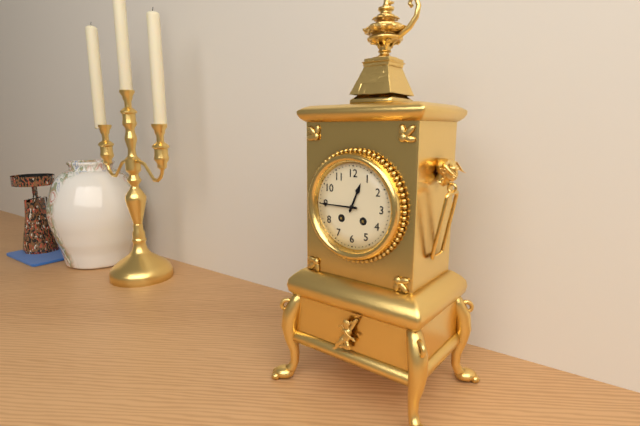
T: 12:45
